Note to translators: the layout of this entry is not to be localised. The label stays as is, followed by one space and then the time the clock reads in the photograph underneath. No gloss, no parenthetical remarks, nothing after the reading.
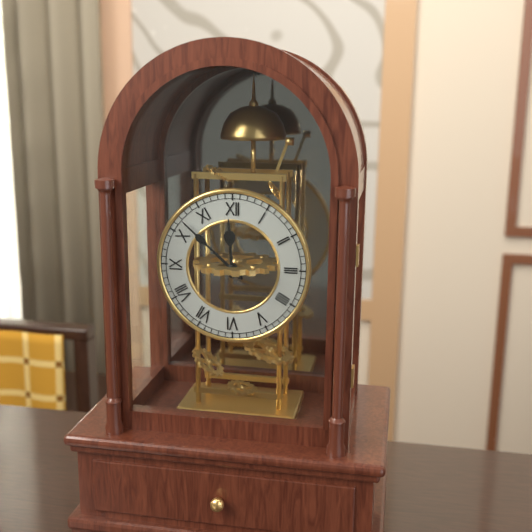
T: 11:52
